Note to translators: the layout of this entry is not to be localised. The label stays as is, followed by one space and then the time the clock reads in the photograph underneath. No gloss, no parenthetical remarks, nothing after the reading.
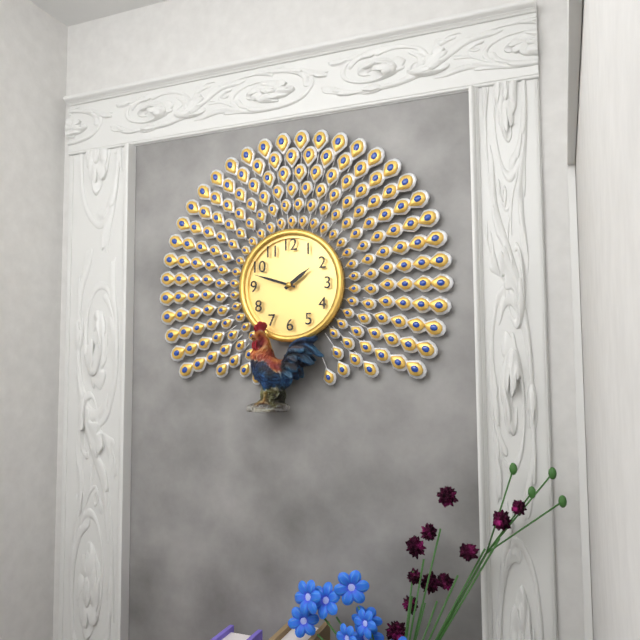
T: 1:48
